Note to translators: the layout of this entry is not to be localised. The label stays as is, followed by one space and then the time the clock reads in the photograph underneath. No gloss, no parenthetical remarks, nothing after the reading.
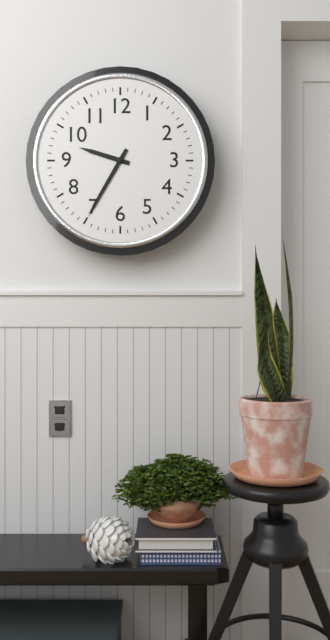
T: 9:35
